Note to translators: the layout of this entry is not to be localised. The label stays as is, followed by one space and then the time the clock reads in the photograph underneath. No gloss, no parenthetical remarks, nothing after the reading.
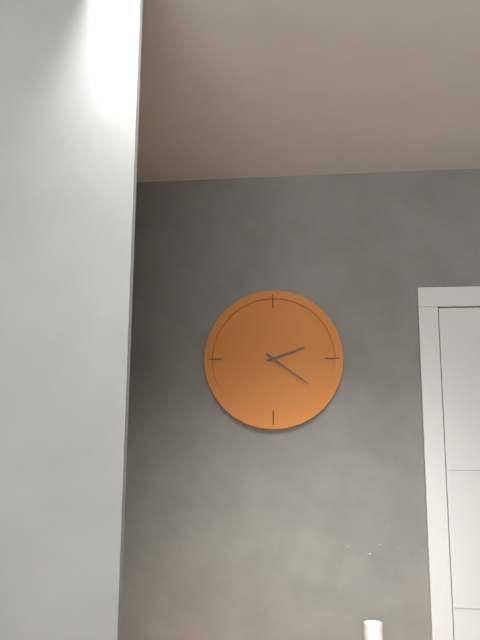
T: 2:21
